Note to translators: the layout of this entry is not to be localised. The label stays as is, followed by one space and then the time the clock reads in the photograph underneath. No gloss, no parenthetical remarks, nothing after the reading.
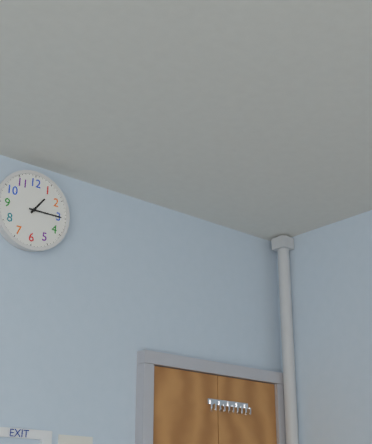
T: 1:15
